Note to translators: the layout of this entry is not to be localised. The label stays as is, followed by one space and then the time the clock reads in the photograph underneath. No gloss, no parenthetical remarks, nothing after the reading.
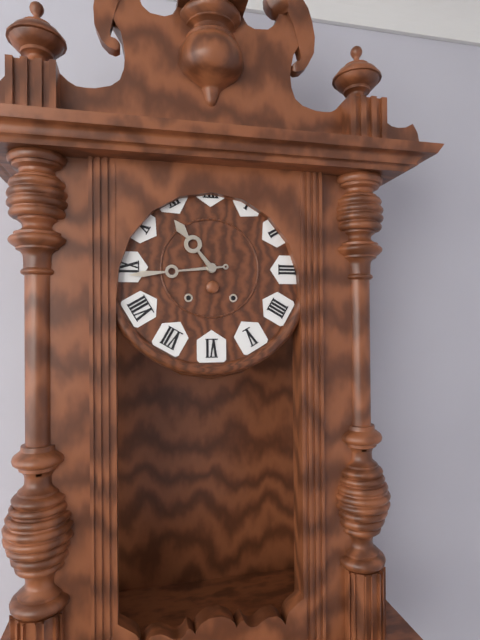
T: 10:44
